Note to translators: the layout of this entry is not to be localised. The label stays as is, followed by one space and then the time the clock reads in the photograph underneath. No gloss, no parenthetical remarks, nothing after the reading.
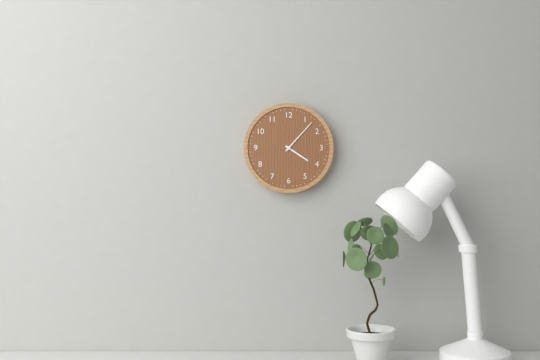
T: 4:07
